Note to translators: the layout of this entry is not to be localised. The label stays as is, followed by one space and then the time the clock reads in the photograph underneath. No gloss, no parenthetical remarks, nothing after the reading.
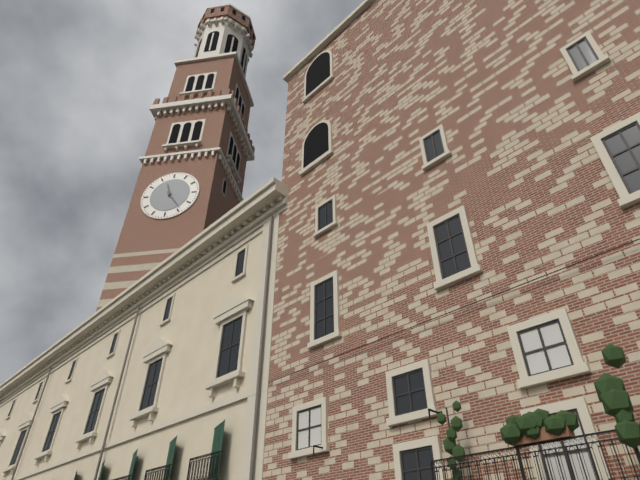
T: 11:24
